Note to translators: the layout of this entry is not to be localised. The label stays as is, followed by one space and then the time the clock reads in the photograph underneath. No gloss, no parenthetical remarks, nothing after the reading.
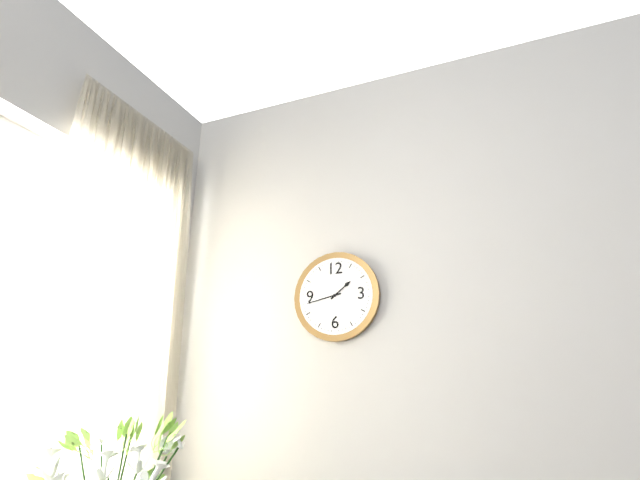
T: 1:43
